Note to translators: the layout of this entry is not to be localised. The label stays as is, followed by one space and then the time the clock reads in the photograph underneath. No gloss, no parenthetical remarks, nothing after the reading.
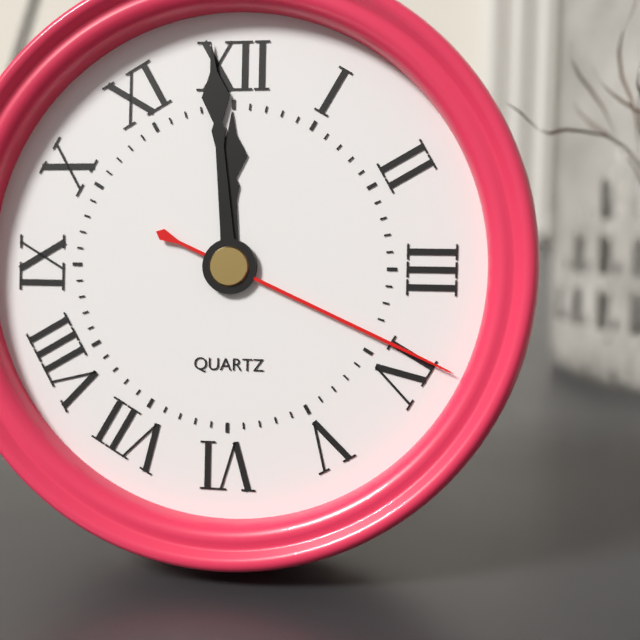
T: 11:59:19
